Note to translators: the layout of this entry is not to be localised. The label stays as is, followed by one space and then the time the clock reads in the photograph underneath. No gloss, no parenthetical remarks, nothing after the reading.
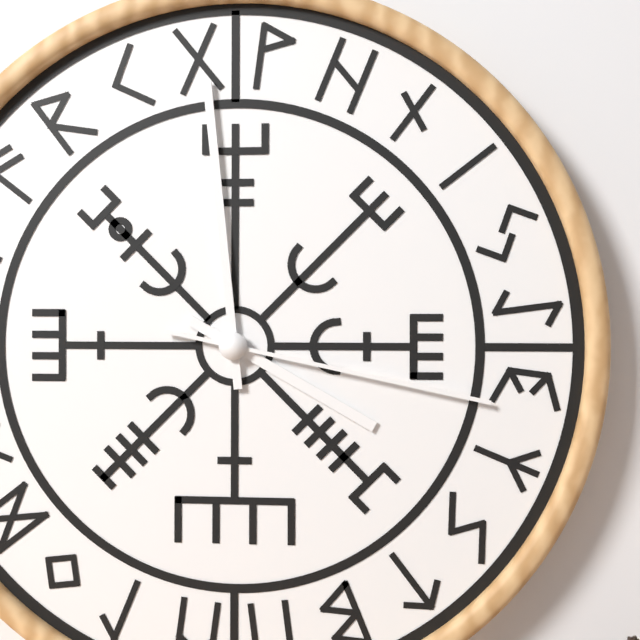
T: 3:59:17
